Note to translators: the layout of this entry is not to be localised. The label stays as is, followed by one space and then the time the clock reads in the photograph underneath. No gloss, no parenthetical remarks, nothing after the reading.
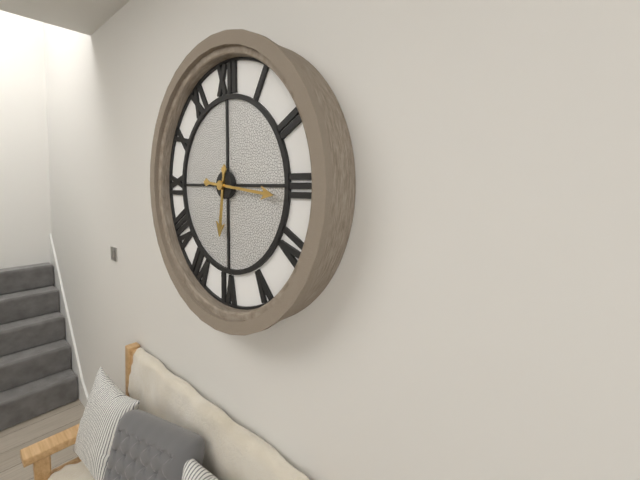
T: 6:16
